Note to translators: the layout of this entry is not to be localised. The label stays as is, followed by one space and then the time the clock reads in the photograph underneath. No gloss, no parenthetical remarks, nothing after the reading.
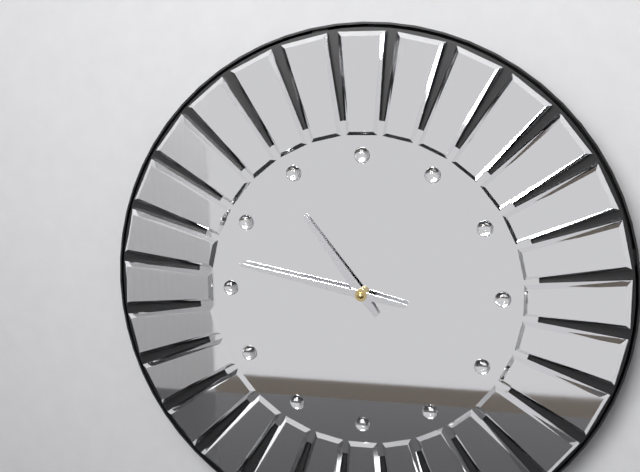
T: 10:47
